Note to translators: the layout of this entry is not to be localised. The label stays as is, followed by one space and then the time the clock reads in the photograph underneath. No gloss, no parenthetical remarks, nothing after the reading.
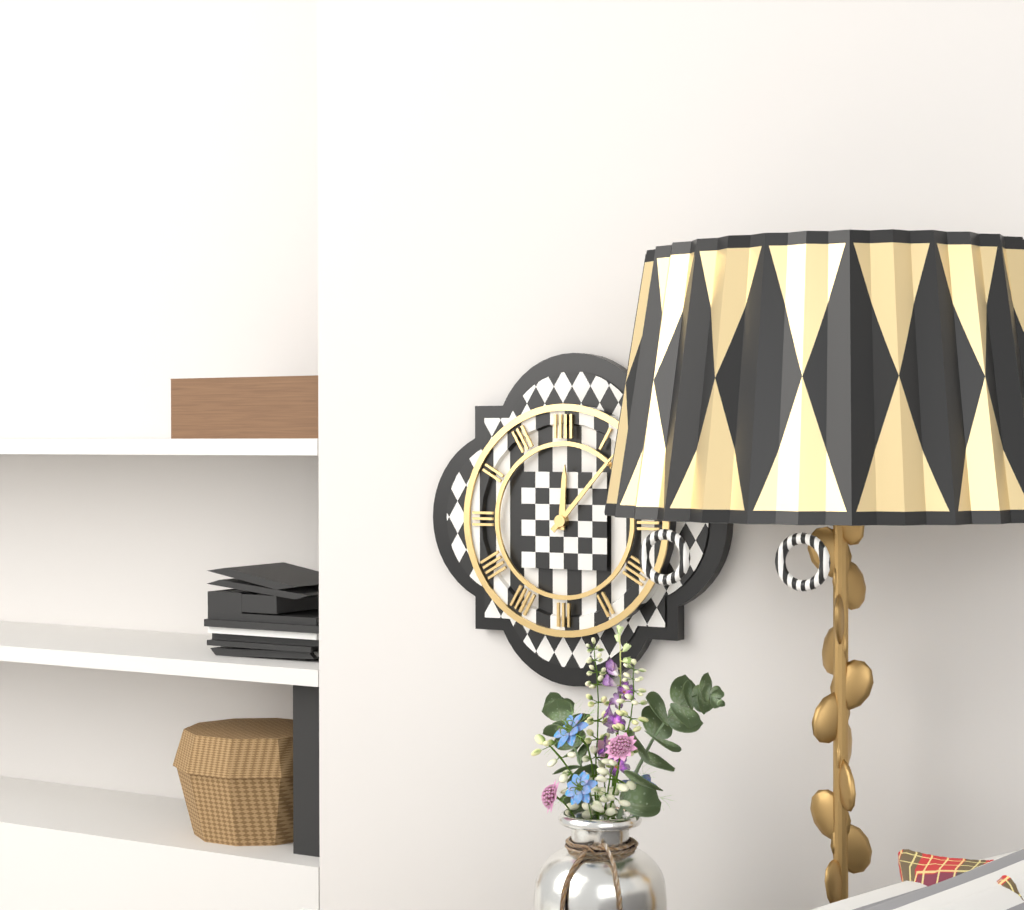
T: 12:07
